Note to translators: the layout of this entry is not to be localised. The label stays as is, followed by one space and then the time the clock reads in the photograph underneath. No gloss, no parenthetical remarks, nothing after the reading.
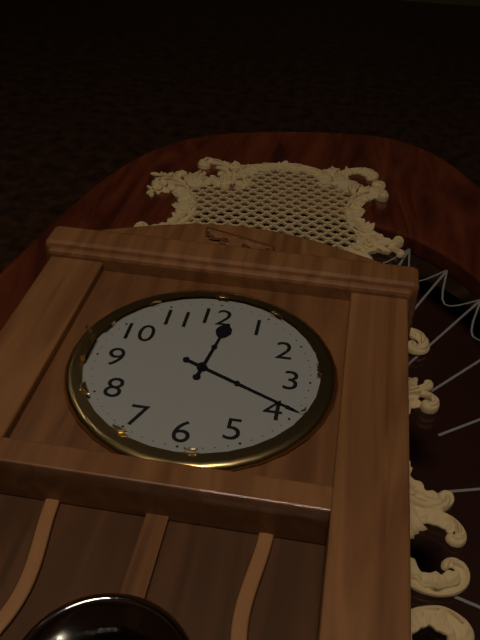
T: 12:19
